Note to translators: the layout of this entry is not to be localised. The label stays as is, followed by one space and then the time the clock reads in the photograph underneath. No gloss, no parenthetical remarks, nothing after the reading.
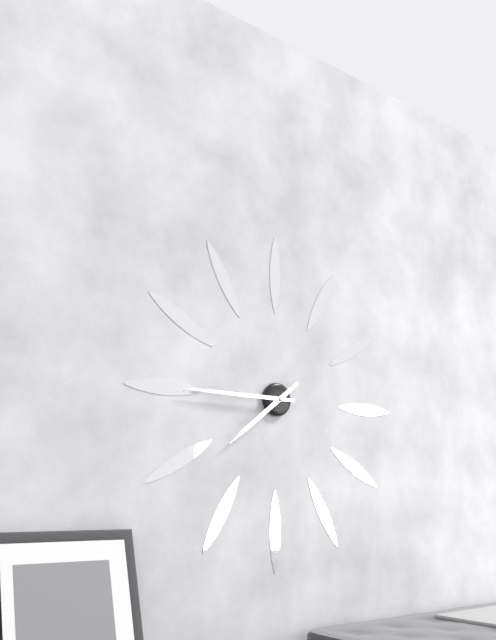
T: 7:45
